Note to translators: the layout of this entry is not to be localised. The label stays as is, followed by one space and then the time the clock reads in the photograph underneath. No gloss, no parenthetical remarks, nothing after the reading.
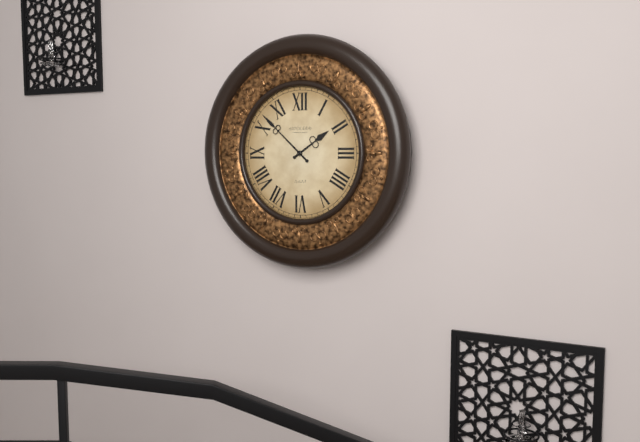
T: 1:52
